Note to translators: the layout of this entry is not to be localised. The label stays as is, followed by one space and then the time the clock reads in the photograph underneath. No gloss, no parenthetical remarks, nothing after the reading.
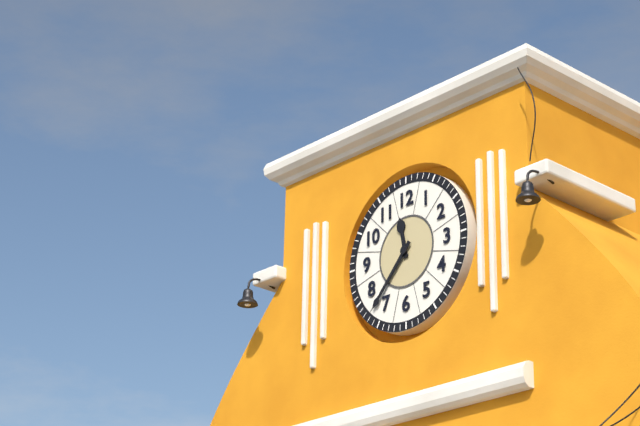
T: 11:37
